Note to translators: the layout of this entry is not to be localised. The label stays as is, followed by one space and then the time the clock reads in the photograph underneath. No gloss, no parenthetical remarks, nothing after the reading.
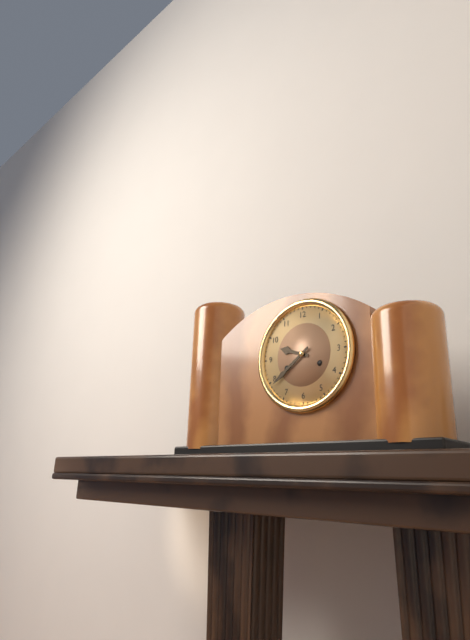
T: 9:39
